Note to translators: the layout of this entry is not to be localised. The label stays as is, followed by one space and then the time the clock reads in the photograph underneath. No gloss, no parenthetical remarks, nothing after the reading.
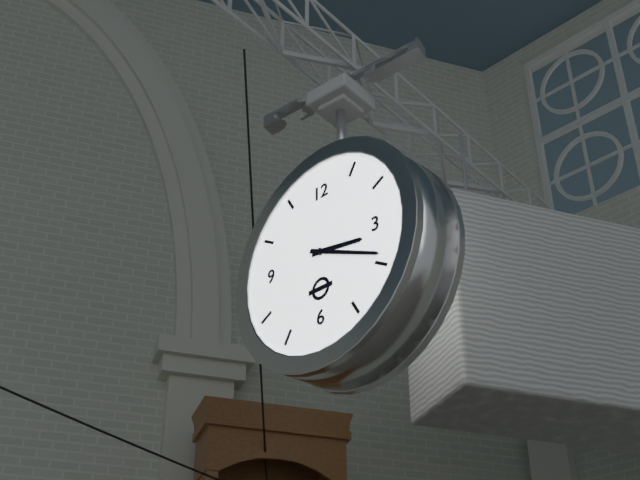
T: 3:19
